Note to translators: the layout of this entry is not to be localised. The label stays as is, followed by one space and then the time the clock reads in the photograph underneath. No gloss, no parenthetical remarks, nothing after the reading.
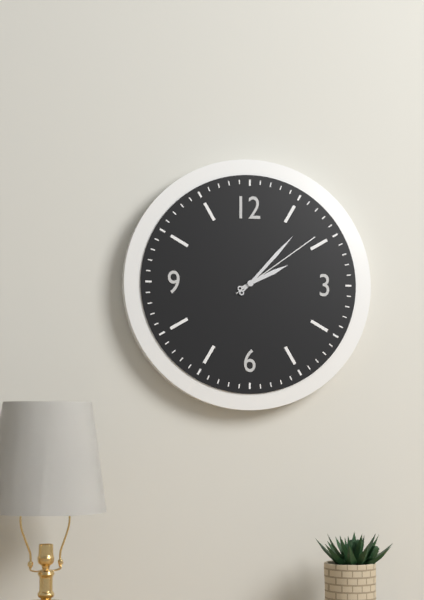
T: 2:07:09
